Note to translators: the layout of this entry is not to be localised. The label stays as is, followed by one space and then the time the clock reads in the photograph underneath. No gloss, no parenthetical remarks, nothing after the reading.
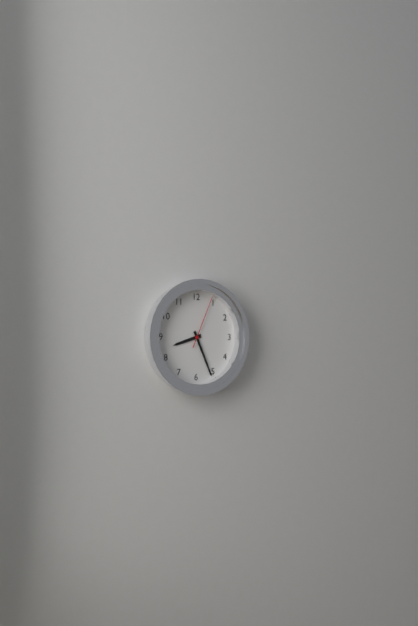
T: 8:26:04
